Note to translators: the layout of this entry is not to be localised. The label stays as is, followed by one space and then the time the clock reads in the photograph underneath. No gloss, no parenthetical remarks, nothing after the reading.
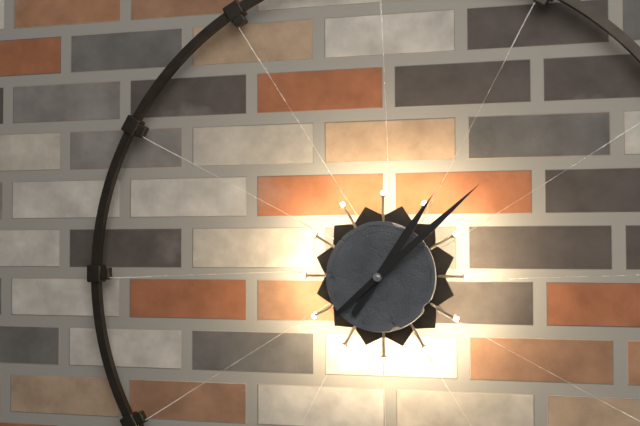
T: 1:08
